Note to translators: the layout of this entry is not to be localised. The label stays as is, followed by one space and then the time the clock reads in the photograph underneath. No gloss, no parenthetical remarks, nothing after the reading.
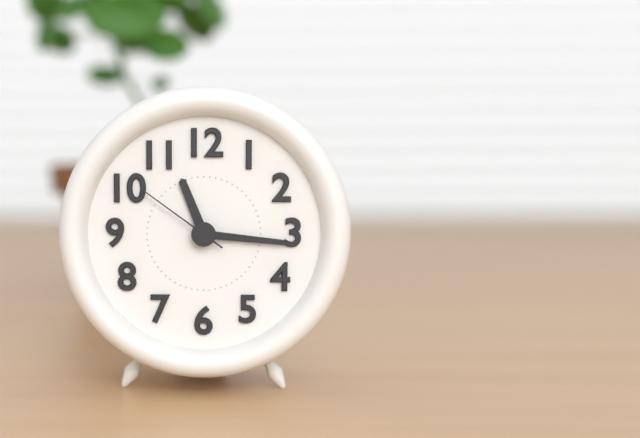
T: 11:16:51
